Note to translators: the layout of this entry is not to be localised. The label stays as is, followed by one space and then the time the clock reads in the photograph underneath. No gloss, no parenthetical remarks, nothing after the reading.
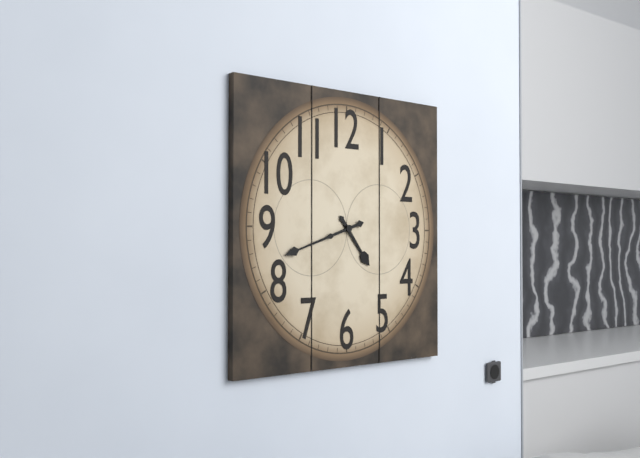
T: 4:42
